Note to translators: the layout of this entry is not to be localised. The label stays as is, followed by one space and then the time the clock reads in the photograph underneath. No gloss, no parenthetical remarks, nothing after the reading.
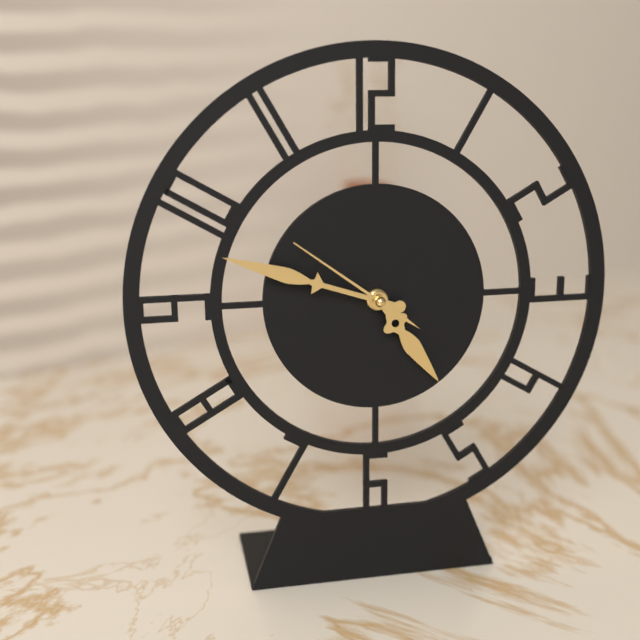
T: 4:48:51
